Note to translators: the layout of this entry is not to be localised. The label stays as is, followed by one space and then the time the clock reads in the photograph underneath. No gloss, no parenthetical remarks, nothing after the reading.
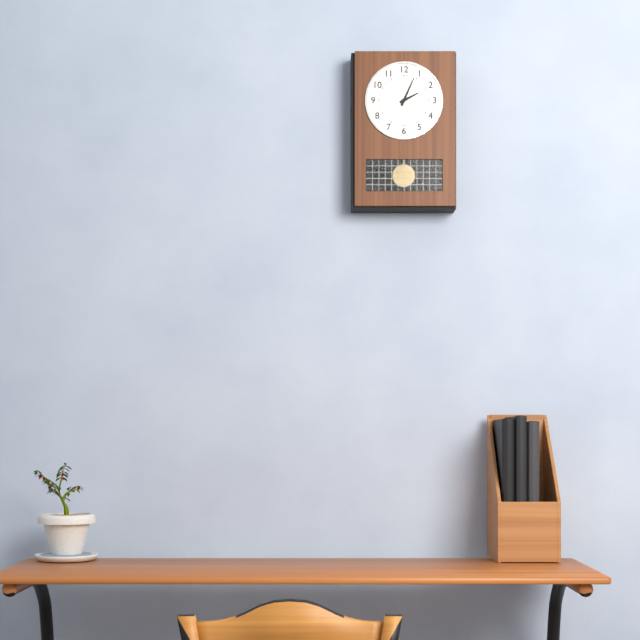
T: 2:04
